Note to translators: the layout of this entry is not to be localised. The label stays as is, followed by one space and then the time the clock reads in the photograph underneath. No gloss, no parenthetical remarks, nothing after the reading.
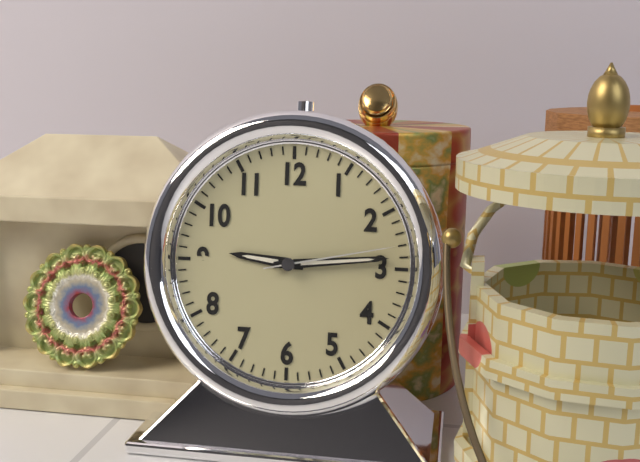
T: 9:14:13
